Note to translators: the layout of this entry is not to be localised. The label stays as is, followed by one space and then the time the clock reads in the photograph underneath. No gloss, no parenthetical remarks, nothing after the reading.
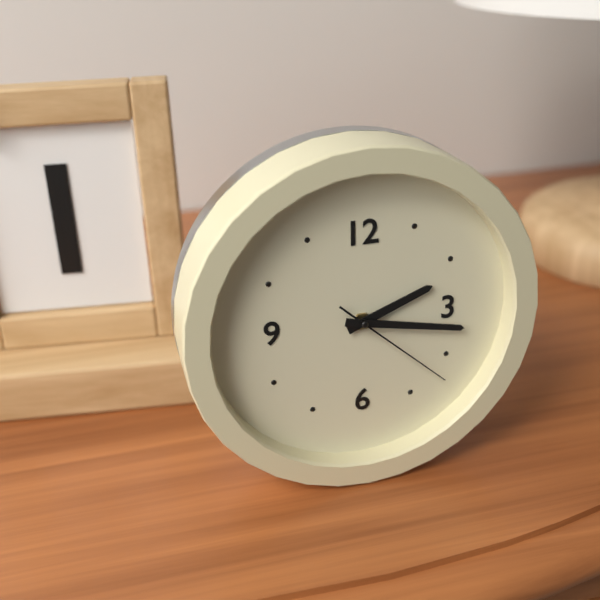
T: 2:17:22
